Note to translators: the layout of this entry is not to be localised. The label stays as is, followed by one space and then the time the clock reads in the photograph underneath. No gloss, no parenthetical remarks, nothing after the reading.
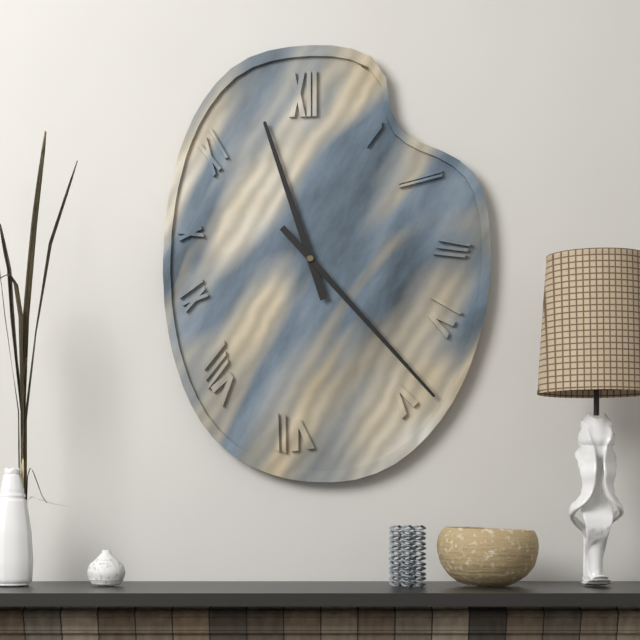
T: 11:23
